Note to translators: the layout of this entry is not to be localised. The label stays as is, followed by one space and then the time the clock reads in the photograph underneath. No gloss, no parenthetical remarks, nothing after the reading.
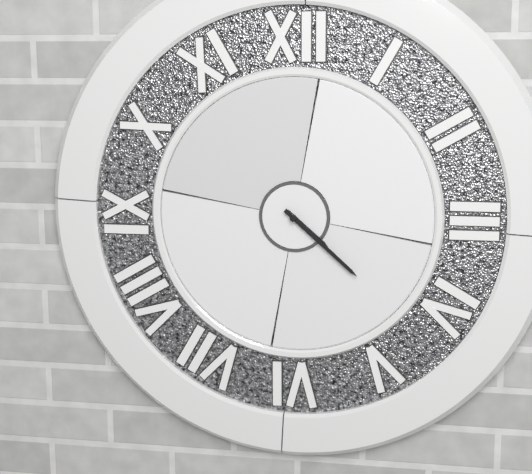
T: 4:22
